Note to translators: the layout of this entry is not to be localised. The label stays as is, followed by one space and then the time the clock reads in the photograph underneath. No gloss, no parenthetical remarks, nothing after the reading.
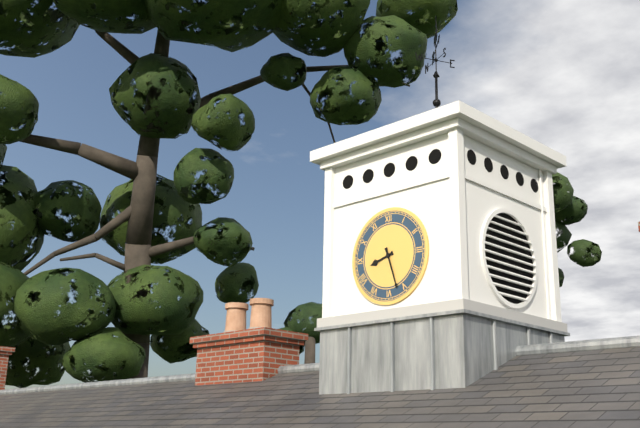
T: 8:27
